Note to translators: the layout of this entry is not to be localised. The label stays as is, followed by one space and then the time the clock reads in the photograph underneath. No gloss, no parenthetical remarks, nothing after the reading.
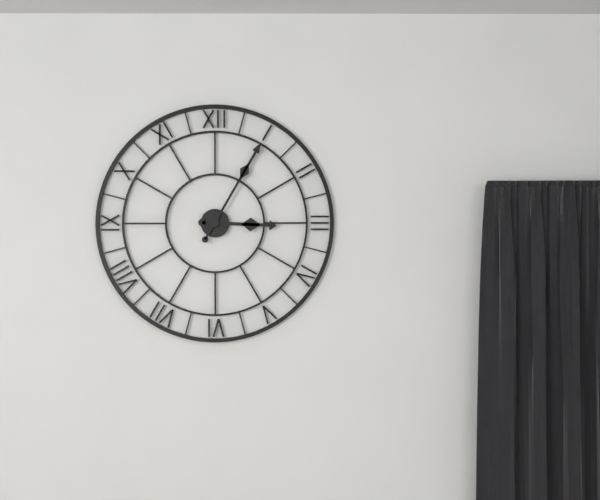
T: 3:05
